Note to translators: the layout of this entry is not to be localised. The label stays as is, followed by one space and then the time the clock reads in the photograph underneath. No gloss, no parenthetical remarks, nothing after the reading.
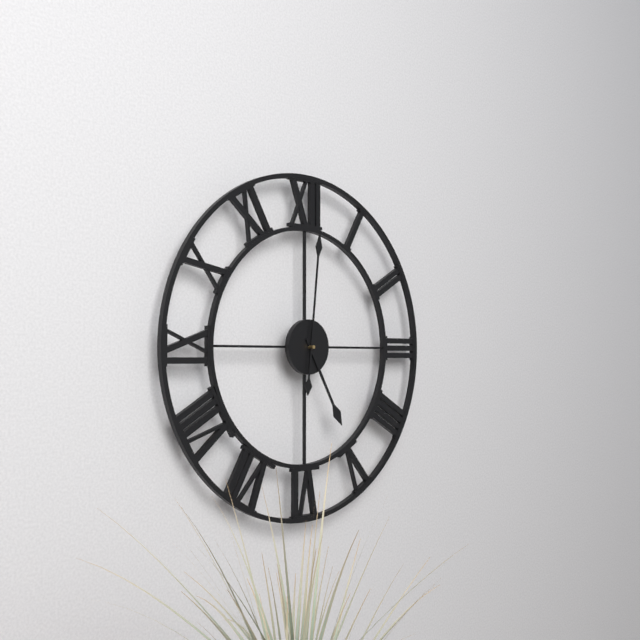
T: 5:01
